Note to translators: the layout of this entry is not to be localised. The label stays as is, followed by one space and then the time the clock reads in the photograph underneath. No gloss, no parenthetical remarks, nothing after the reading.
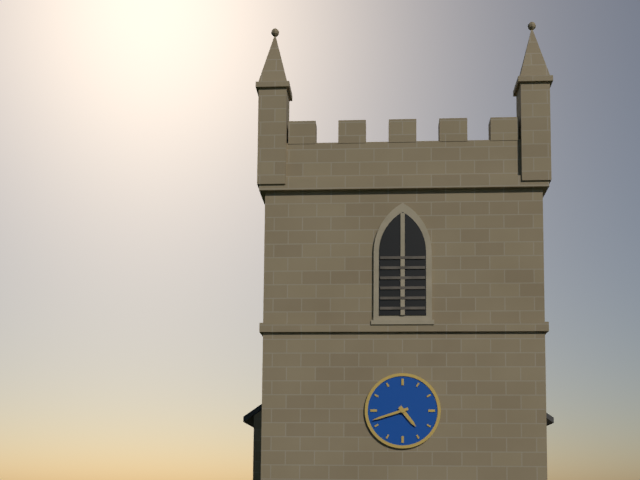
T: 4:42
